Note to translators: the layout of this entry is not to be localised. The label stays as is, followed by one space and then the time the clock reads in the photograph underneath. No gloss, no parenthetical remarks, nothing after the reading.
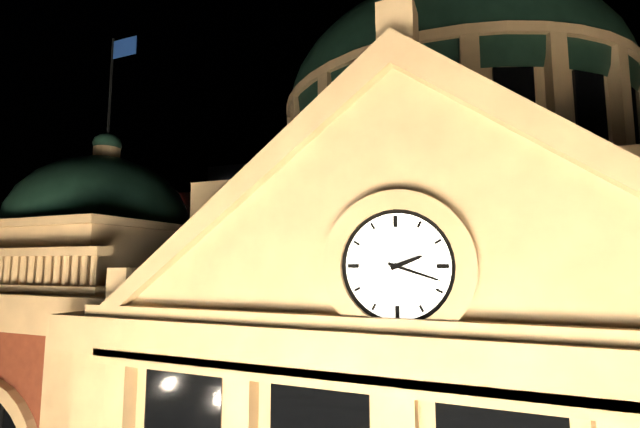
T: 2:18
